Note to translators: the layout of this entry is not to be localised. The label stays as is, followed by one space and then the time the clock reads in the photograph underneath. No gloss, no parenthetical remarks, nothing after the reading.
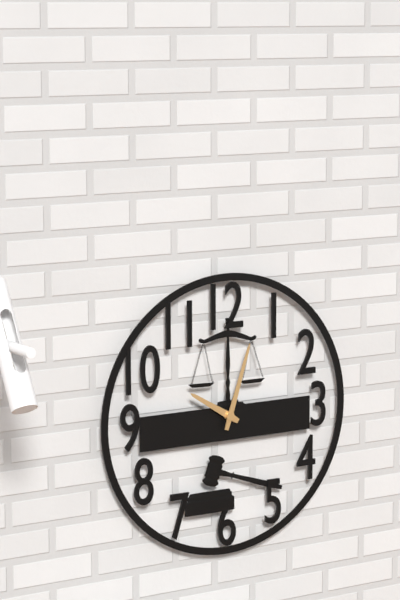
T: 10:03
